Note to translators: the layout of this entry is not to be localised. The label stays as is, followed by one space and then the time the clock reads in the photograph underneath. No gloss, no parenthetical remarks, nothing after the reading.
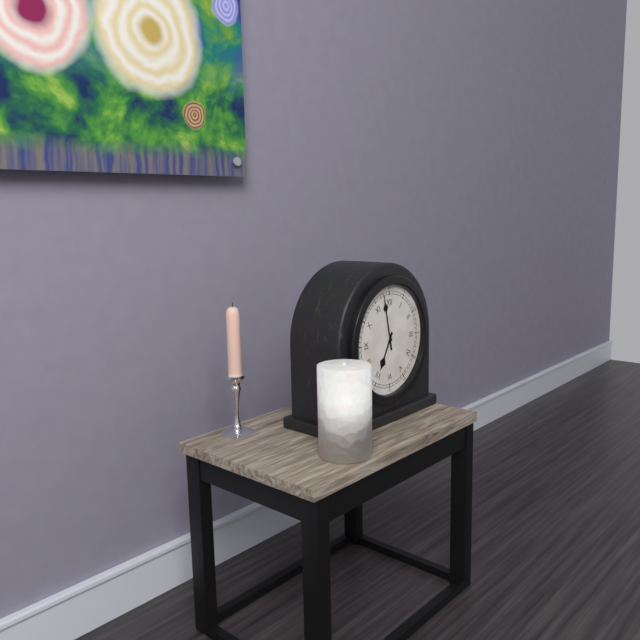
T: 6:58
